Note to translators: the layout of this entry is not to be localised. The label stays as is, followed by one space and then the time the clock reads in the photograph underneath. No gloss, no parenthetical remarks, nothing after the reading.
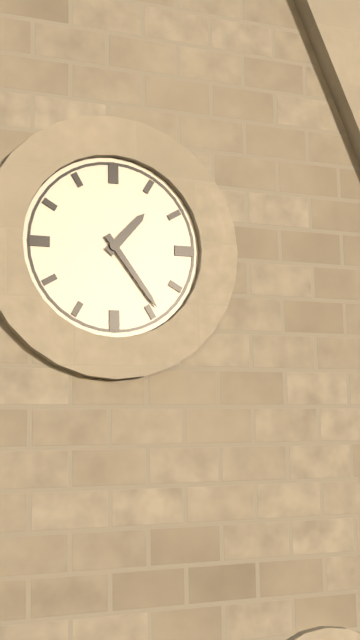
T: 1:24
